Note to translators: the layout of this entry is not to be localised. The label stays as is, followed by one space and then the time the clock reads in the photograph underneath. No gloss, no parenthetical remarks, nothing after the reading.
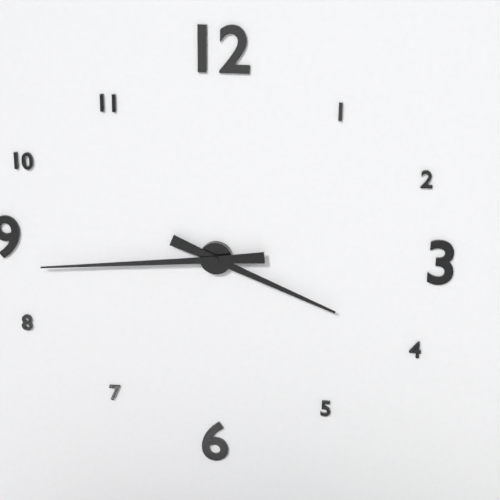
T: 3:44
